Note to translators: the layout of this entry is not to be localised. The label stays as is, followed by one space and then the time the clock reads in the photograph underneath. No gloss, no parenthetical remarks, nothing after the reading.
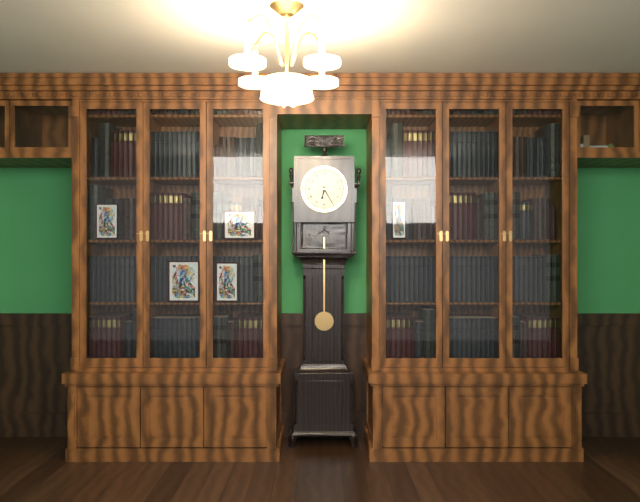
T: 6:25
